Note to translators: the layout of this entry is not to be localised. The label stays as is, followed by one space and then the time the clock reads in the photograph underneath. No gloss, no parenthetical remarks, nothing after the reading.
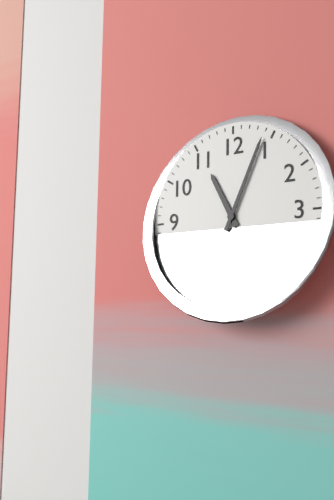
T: 11:04
